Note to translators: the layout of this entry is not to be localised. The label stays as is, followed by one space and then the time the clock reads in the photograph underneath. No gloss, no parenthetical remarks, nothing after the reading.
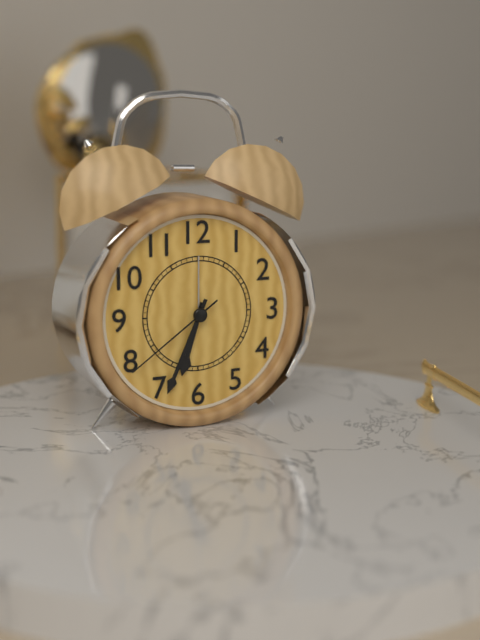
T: 6:34:39
